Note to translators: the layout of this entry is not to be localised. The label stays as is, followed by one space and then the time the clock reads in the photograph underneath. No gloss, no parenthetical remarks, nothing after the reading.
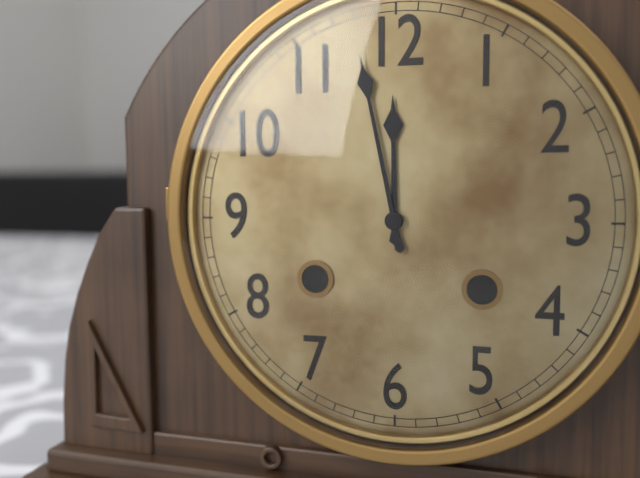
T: 11:58
